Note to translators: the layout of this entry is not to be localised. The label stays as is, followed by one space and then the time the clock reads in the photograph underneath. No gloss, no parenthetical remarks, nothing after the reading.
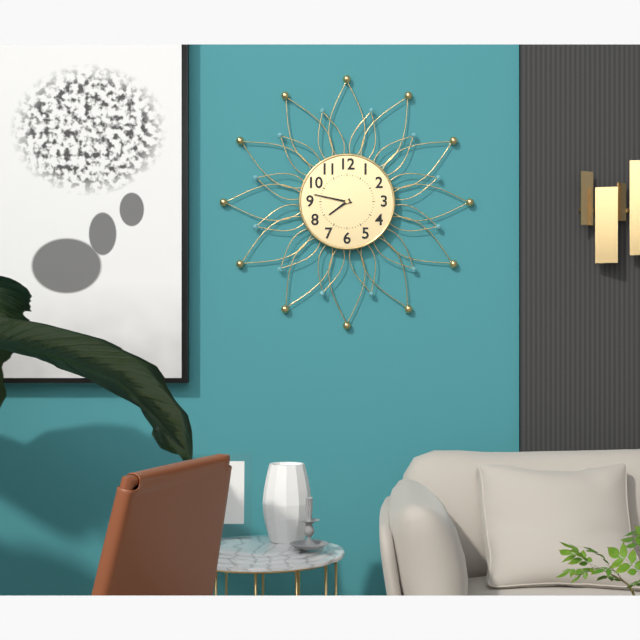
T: 7:47
